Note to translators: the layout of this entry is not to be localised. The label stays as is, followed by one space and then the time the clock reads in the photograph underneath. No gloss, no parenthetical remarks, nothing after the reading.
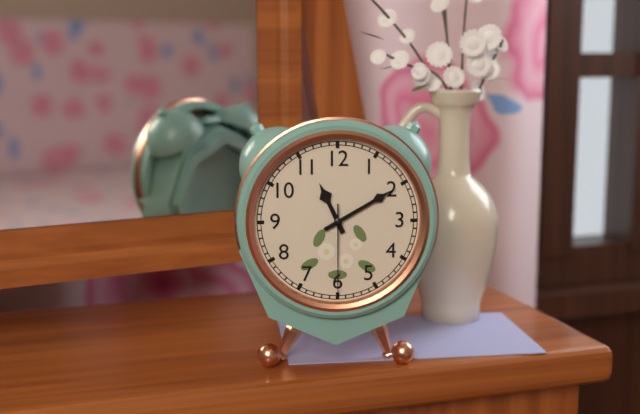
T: 11:10:30
